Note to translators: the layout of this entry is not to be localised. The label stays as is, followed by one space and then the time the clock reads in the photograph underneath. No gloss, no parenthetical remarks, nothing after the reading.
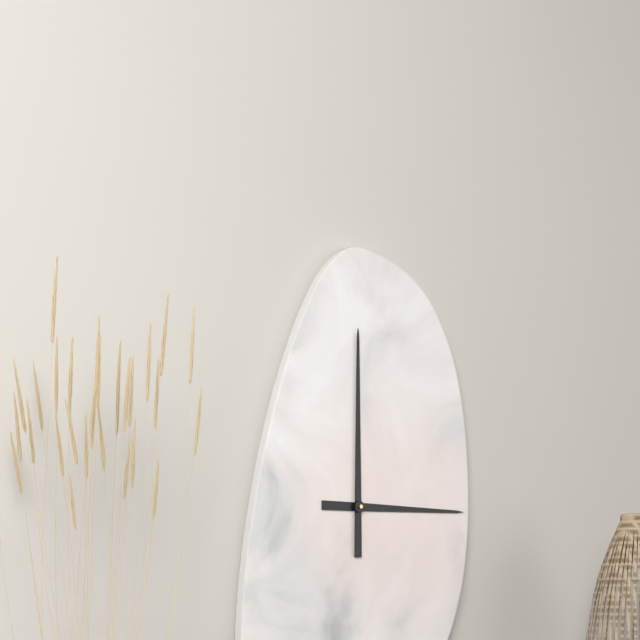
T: 3:00
